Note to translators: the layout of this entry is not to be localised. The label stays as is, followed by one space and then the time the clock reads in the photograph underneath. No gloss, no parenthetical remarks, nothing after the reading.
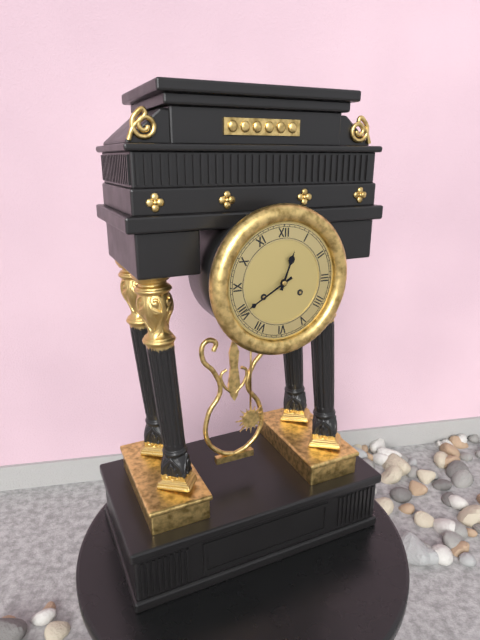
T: 12:40
